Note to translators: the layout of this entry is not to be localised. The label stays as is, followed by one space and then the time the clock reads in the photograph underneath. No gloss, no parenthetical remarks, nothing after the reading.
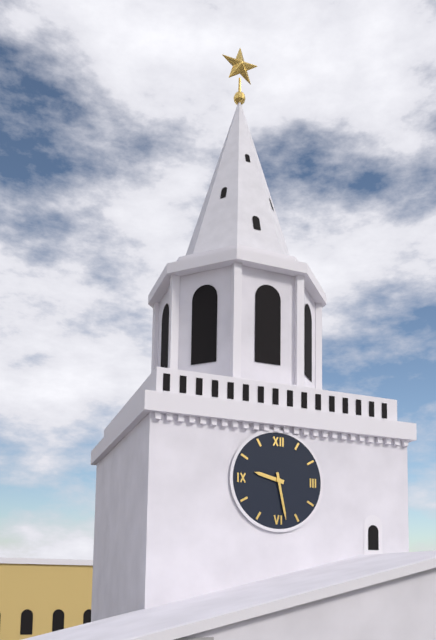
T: 9:28
